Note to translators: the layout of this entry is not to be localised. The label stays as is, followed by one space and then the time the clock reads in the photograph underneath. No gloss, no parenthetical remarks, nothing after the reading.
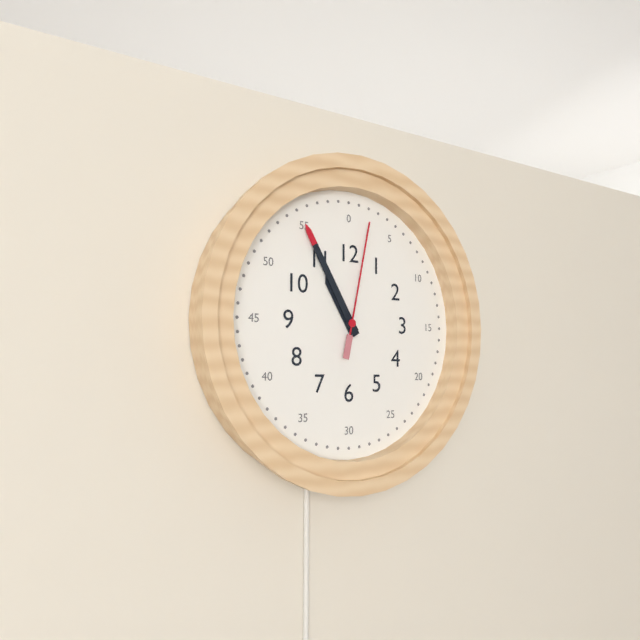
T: 10:55:02
